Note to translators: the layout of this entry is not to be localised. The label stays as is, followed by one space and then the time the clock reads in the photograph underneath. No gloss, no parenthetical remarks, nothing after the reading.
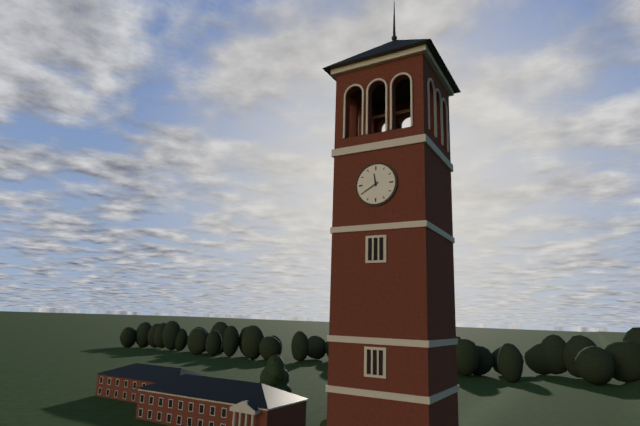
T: 11:40
